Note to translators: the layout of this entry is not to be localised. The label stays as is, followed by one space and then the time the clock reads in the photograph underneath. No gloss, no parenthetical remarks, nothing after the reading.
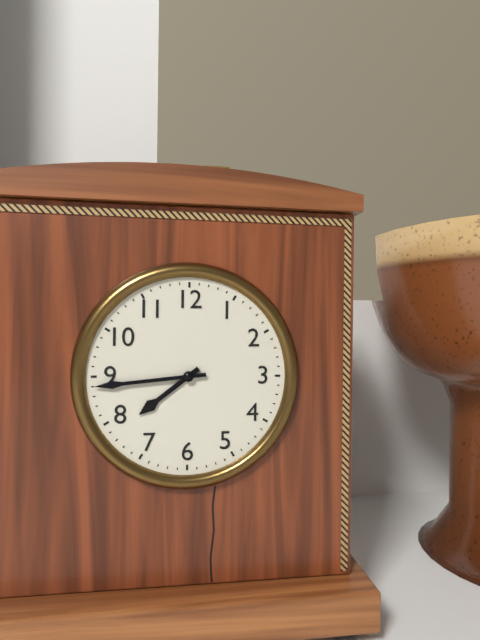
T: 7:44
